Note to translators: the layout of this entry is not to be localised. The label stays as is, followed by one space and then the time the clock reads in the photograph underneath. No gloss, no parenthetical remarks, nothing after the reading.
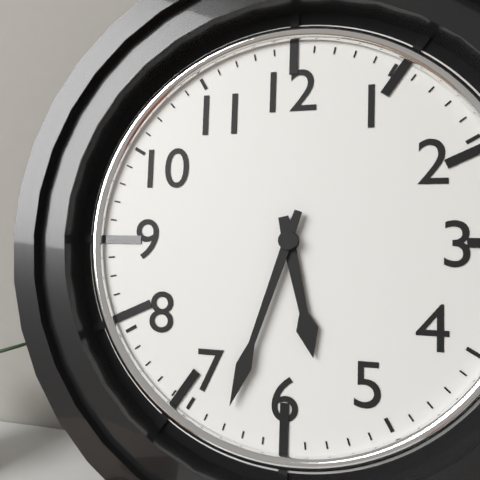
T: 5:33
